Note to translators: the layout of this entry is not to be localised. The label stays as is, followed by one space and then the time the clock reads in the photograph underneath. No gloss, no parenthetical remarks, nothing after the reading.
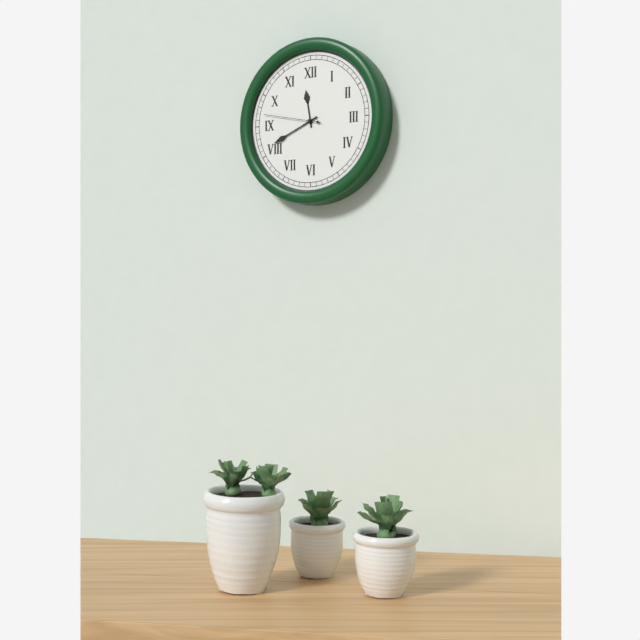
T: 11:41:47
